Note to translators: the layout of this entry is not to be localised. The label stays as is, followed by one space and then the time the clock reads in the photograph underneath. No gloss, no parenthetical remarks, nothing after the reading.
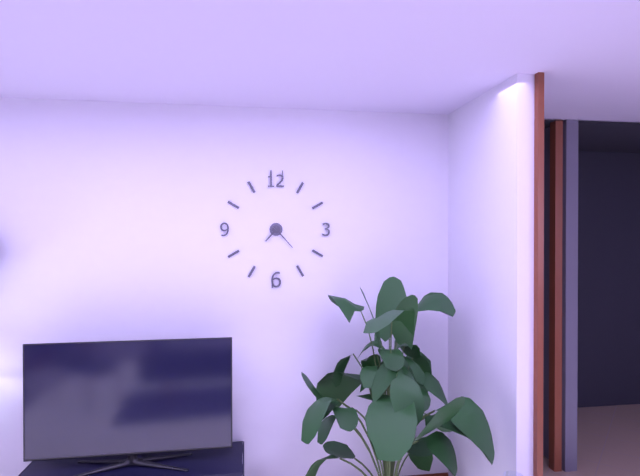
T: 7:23
